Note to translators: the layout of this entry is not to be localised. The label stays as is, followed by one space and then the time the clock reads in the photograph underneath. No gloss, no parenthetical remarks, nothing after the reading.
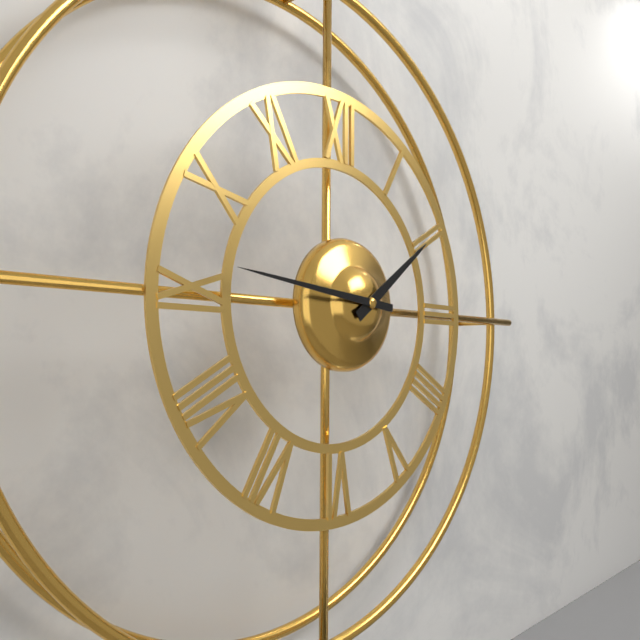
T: 1:46
